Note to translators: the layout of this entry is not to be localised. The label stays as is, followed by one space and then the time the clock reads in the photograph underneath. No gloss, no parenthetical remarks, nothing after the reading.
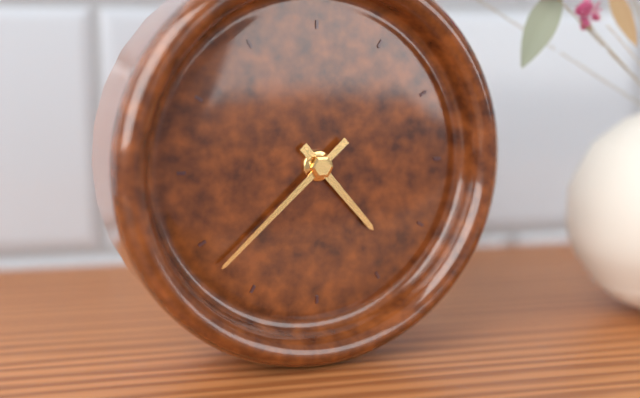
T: 4:38
